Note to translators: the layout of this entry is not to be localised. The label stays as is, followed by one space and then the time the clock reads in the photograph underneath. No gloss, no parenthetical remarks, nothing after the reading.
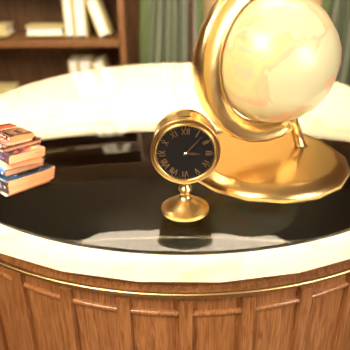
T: 3:07
